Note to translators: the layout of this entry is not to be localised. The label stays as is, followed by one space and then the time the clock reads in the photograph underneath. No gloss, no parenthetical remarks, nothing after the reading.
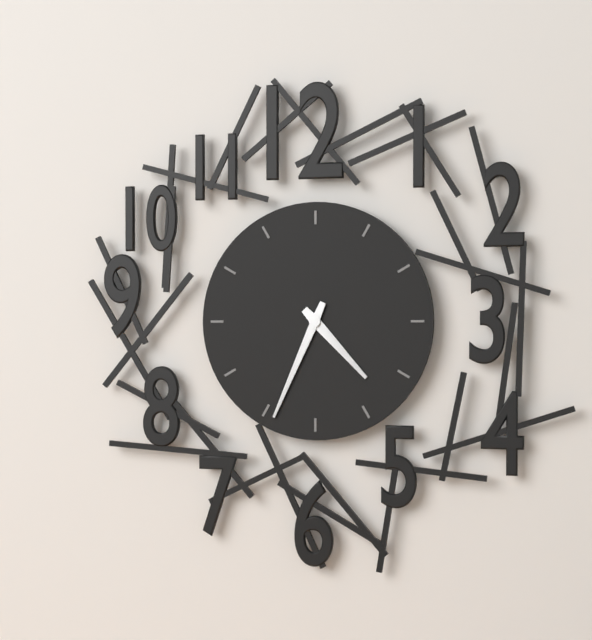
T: 4:34
